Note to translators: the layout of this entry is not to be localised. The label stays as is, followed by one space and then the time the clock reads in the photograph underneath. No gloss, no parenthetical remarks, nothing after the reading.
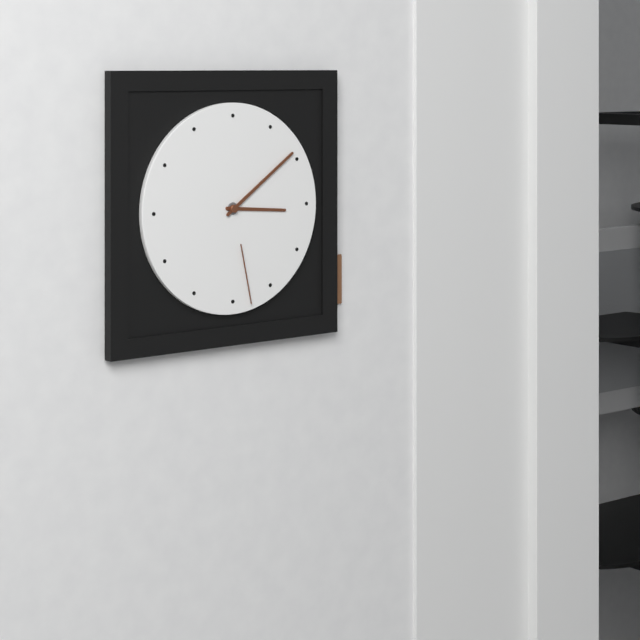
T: 3:09:28
